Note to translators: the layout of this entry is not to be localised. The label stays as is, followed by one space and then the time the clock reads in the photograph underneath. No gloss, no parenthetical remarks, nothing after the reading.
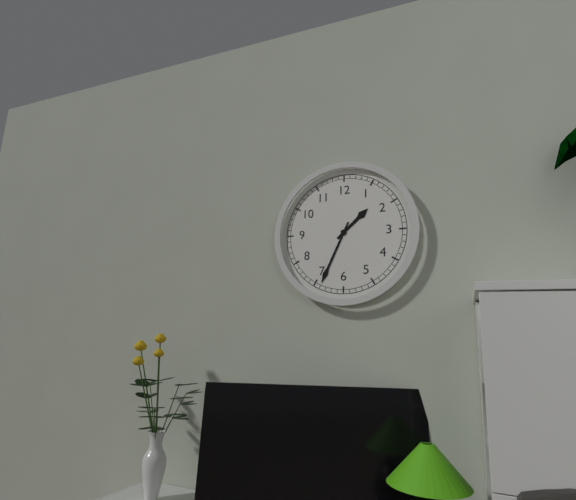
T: 1:34
